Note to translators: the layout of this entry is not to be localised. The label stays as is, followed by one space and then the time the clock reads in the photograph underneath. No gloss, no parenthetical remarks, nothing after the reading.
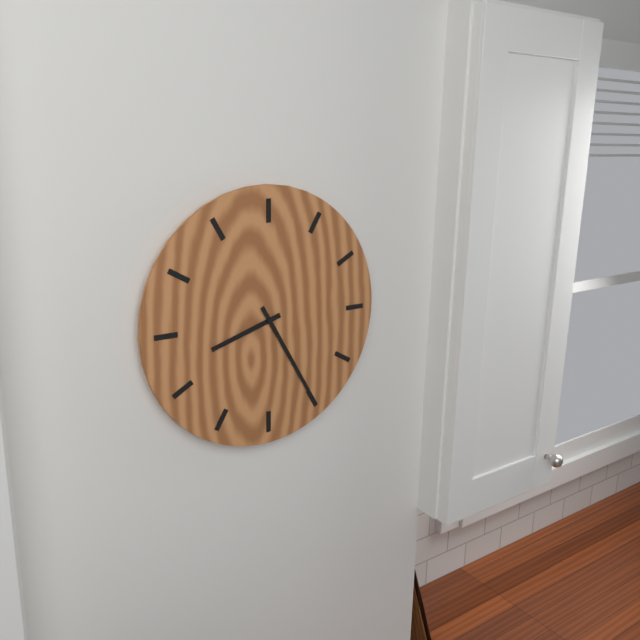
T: 8:25
